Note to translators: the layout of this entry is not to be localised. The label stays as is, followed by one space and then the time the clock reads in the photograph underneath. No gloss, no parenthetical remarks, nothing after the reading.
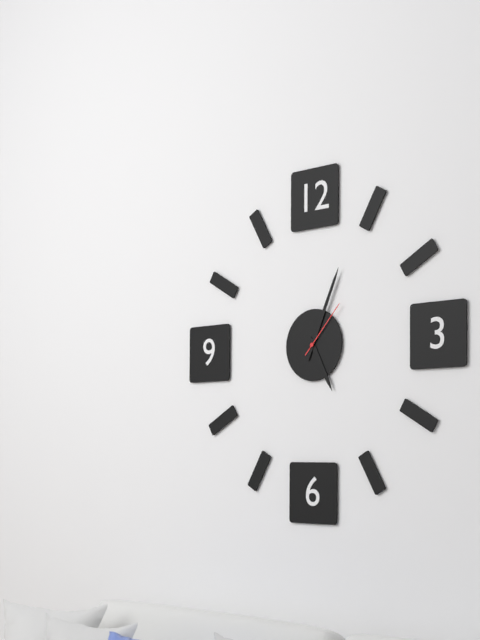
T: 5:04:07
